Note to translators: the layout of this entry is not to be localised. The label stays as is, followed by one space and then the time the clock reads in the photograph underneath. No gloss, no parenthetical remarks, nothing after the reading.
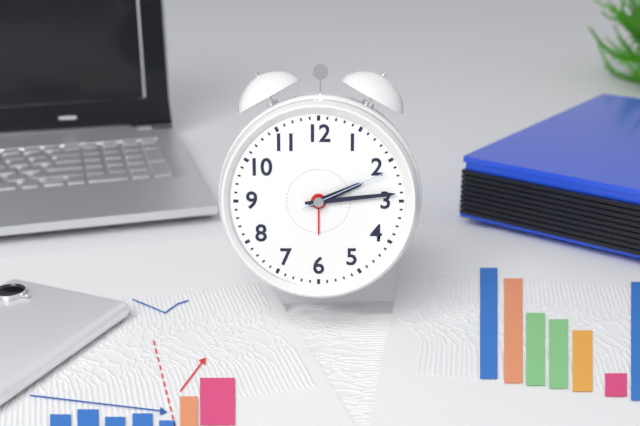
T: 2:14:11
